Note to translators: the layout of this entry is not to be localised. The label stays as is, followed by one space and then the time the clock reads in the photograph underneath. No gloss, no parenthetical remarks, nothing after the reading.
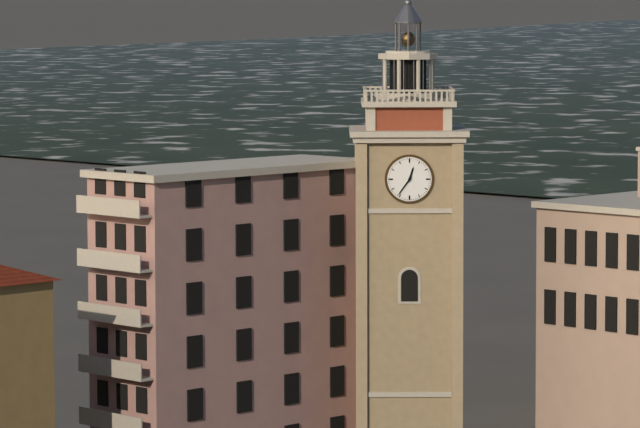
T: 12:36
